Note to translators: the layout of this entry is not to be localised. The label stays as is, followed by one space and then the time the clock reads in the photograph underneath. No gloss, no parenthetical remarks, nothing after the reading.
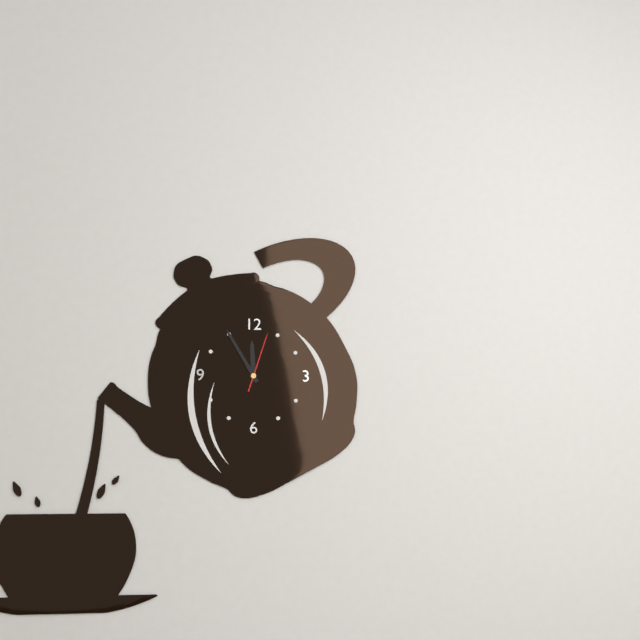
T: 11:55:03
